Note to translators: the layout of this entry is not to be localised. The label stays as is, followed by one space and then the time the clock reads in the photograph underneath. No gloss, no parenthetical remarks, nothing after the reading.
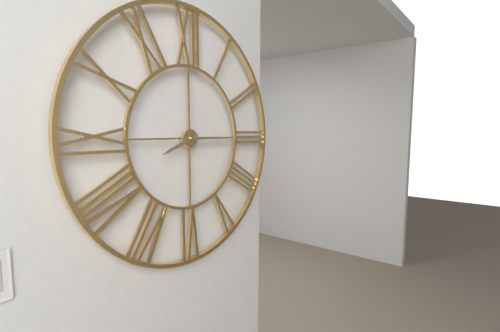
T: 8:15
